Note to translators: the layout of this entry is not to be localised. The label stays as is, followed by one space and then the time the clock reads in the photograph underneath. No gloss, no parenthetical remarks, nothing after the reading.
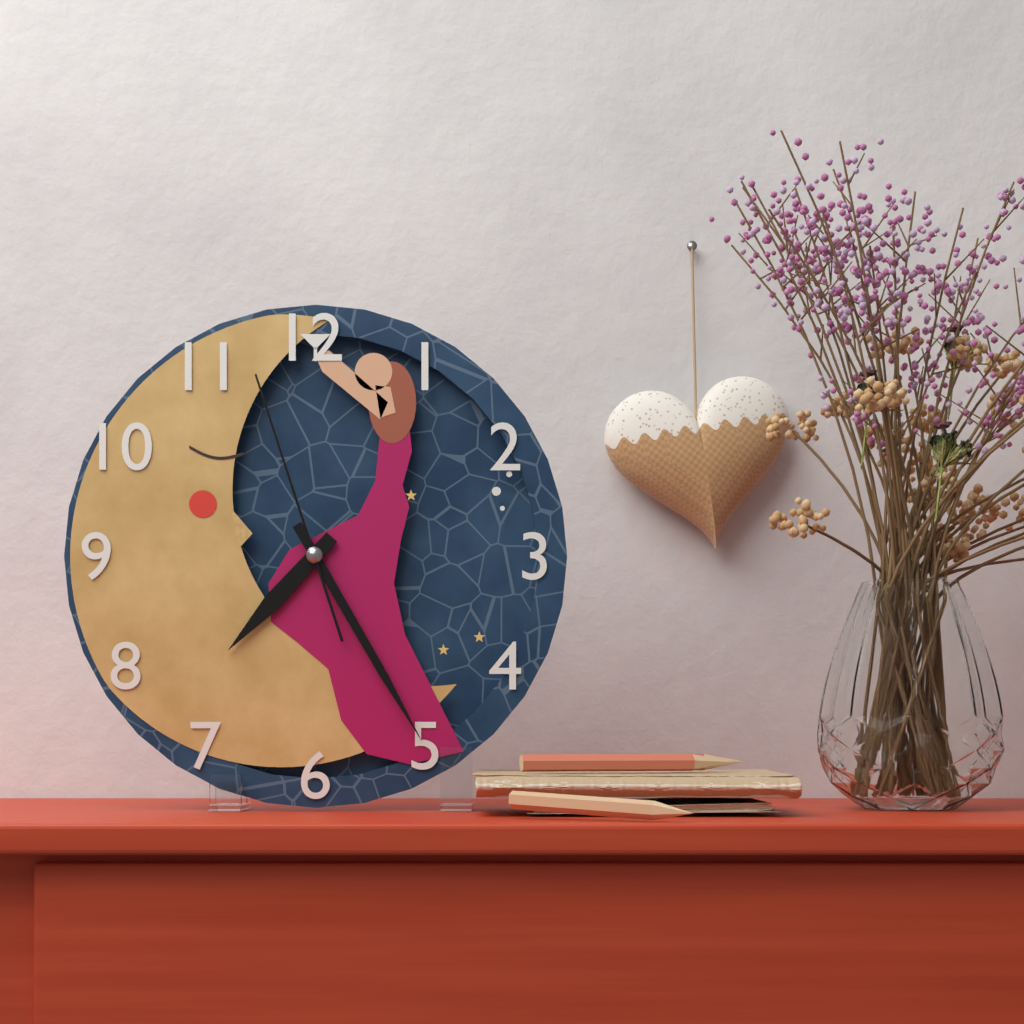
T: 7:25:57
